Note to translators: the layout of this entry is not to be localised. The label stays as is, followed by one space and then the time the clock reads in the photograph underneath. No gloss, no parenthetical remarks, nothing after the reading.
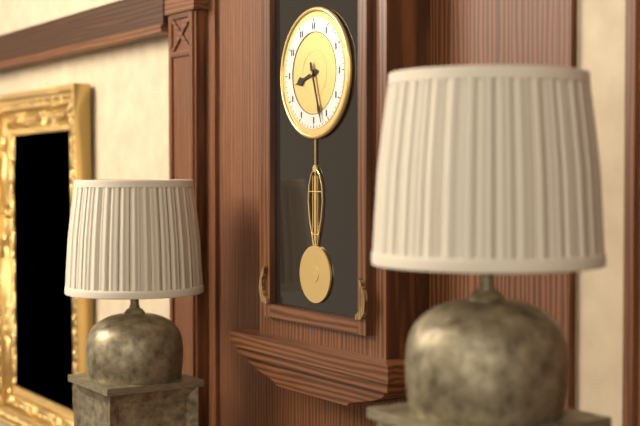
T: 8:27
